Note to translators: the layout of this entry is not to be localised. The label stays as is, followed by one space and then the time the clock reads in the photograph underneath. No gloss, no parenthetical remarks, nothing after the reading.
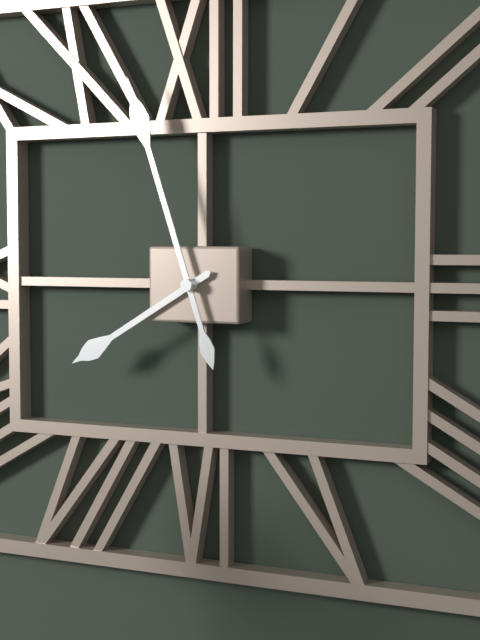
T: 7:57
